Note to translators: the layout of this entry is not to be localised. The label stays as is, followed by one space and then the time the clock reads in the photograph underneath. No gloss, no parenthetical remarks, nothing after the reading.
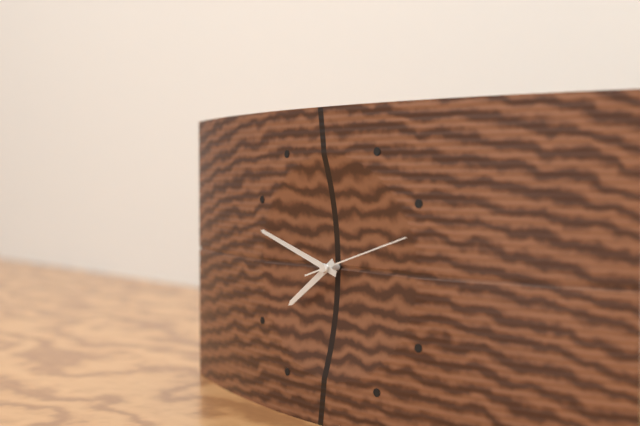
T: 7:48:12
